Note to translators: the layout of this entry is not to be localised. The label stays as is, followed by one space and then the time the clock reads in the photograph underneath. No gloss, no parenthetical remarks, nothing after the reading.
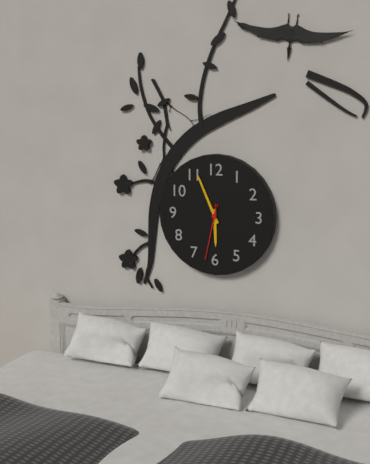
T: 5:56:32
